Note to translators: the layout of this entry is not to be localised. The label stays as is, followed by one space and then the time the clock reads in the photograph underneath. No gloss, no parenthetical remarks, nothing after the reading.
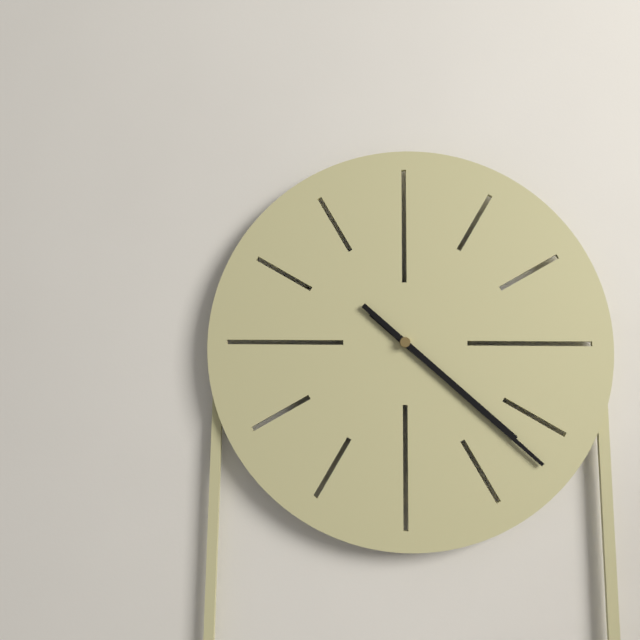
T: 4:22
